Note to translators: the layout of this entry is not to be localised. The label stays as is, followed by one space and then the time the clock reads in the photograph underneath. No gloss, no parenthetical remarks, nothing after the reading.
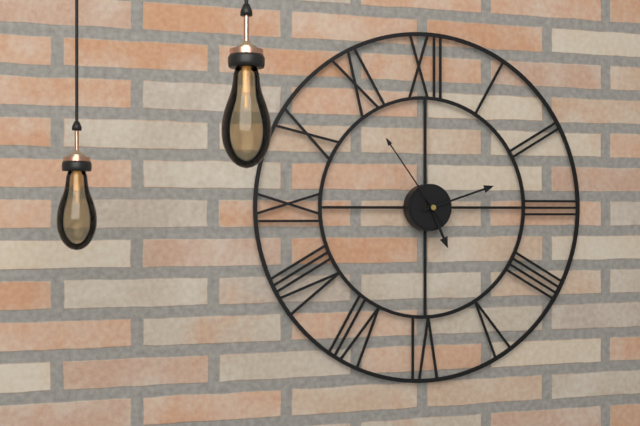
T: 5:12:54
